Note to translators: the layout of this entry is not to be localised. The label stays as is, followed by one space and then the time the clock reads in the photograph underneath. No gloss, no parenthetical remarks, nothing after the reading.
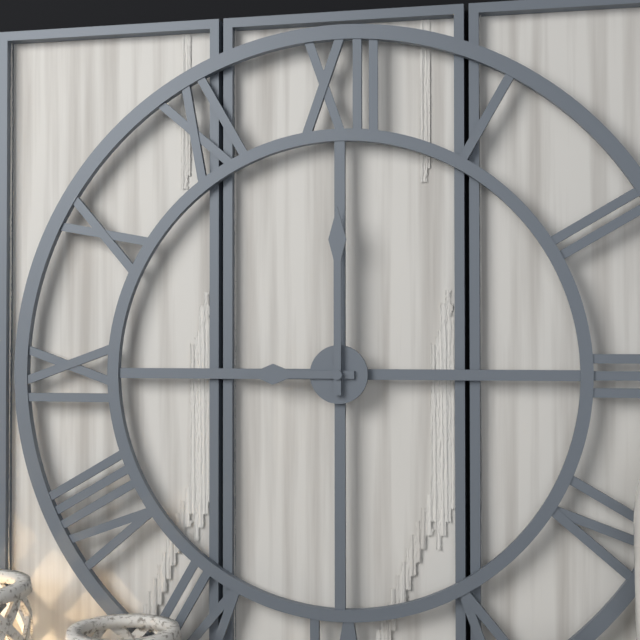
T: 9:00
